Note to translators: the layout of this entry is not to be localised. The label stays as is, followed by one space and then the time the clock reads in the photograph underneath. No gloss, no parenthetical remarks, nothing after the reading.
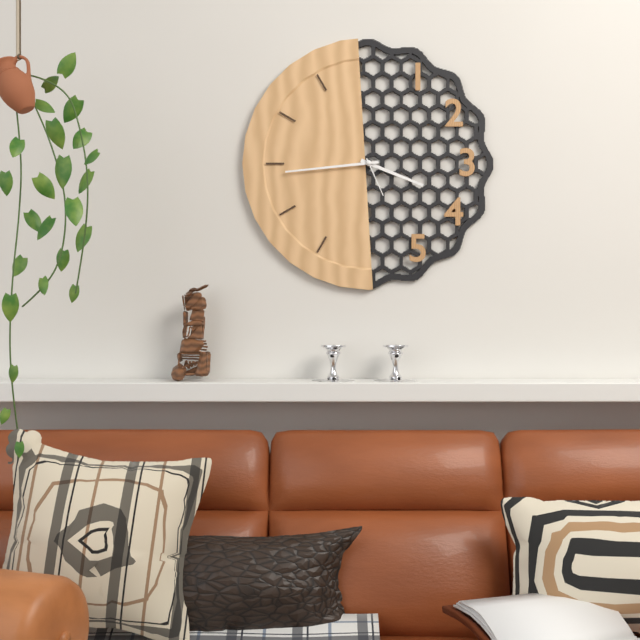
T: 3:44
